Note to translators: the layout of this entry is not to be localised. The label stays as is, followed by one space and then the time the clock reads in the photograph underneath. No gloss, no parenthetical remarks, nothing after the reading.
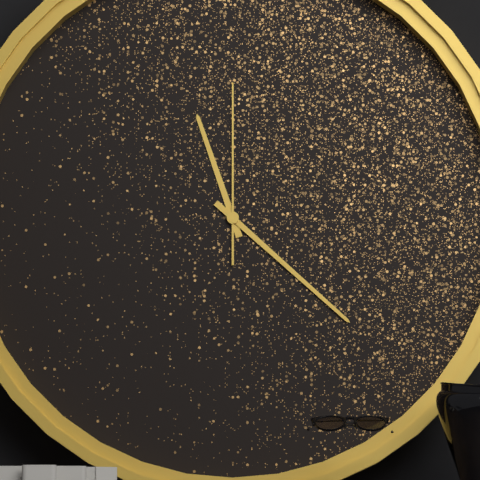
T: 11:22:00
